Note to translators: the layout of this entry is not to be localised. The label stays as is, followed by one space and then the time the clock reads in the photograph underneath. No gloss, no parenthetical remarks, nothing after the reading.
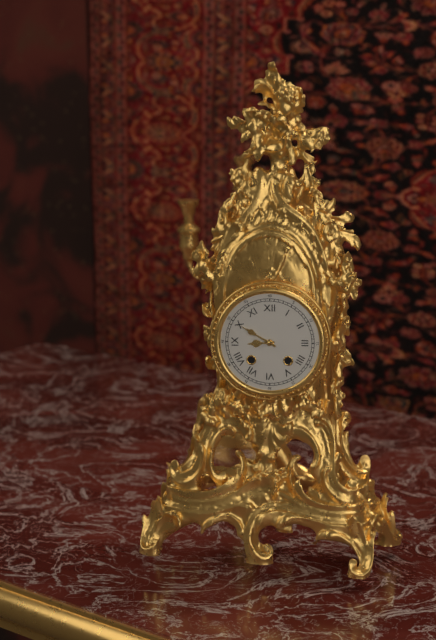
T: 8:50
